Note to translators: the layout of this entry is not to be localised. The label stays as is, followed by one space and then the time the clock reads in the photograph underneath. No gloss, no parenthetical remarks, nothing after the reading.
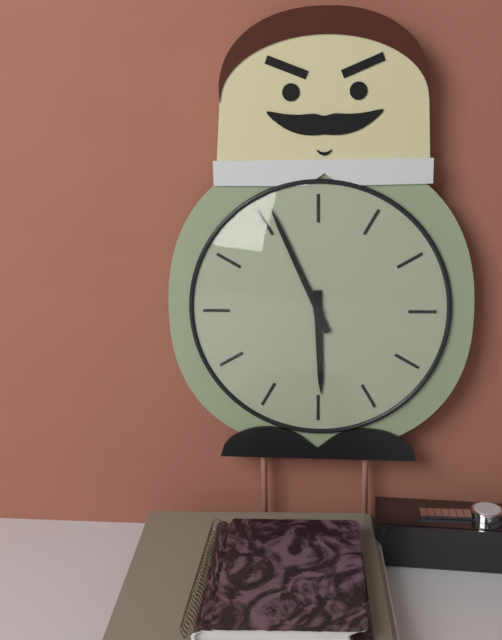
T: 5:56
